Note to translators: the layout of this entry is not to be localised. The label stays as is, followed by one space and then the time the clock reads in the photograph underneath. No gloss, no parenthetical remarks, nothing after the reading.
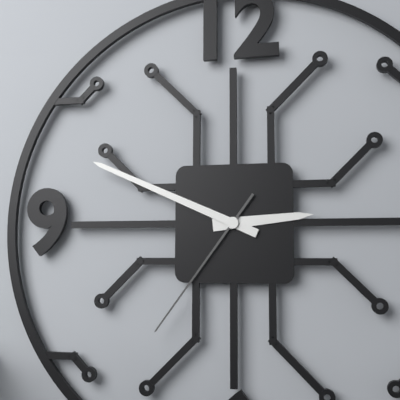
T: 2:49:36
